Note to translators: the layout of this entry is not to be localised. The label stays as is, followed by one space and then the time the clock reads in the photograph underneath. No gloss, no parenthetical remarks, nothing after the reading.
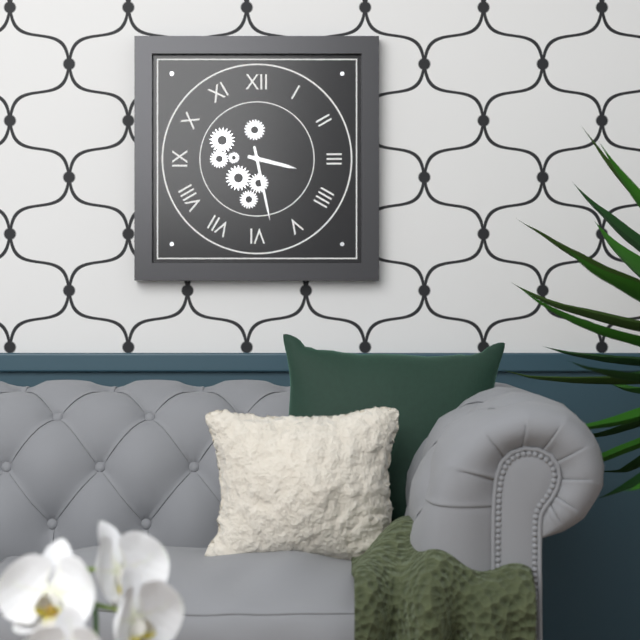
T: 3:28
